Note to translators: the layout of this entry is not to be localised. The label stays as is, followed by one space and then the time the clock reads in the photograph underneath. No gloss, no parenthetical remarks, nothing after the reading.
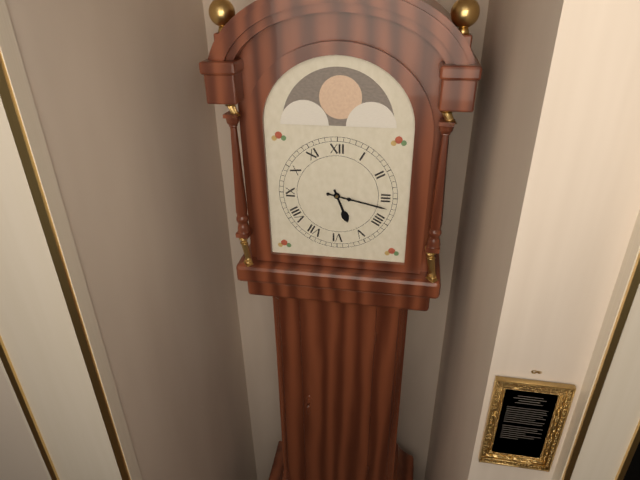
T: 5:17
